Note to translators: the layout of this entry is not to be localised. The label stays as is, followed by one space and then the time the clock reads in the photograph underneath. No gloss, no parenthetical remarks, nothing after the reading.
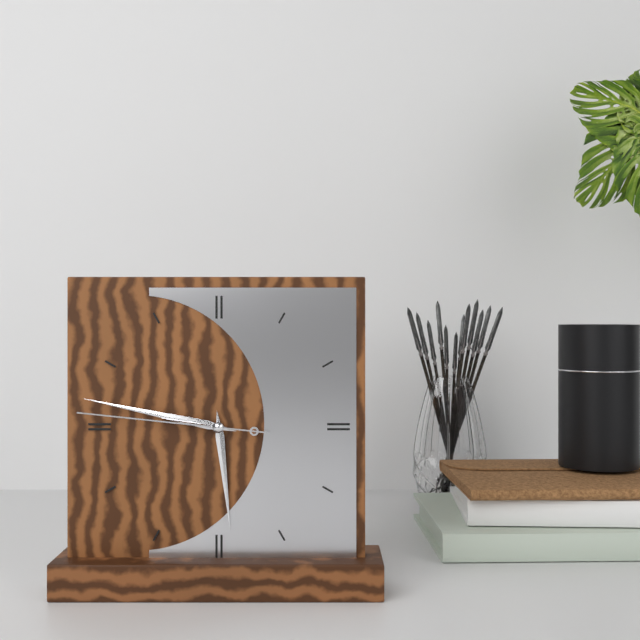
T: 5:47:46
